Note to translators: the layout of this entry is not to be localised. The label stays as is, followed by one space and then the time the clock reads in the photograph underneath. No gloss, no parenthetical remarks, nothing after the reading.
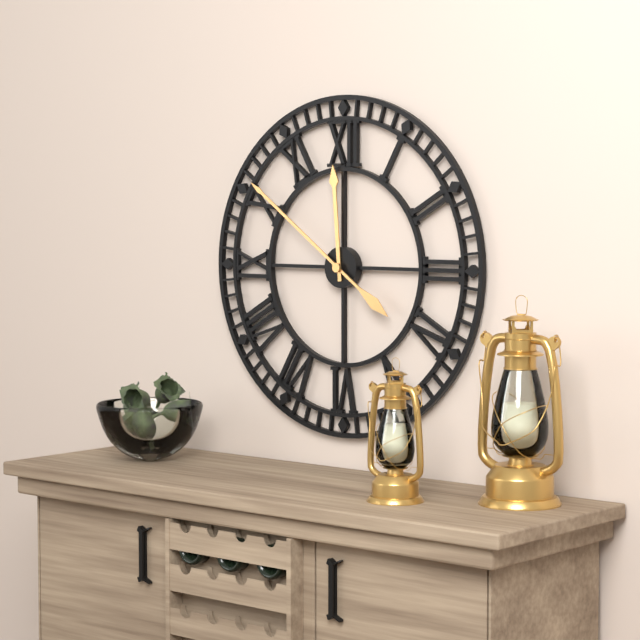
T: 11:51
